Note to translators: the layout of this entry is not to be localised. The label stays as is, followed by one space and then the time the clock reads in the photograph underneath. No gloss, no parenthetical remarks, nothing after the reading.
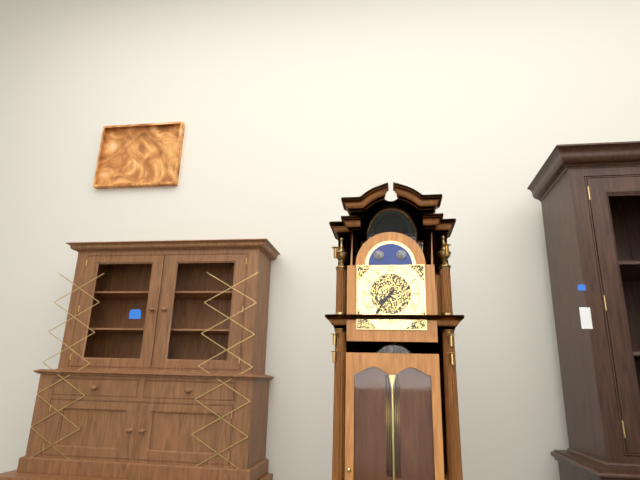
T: 7:36
